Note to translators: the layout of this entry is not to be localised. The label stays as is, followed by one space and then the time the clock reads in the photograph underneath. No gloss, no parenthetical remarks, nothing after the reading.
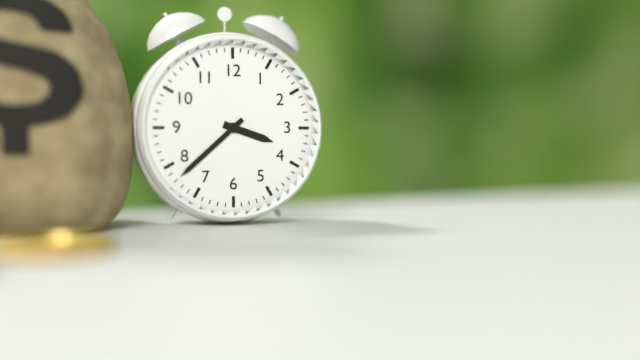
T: 3:38
